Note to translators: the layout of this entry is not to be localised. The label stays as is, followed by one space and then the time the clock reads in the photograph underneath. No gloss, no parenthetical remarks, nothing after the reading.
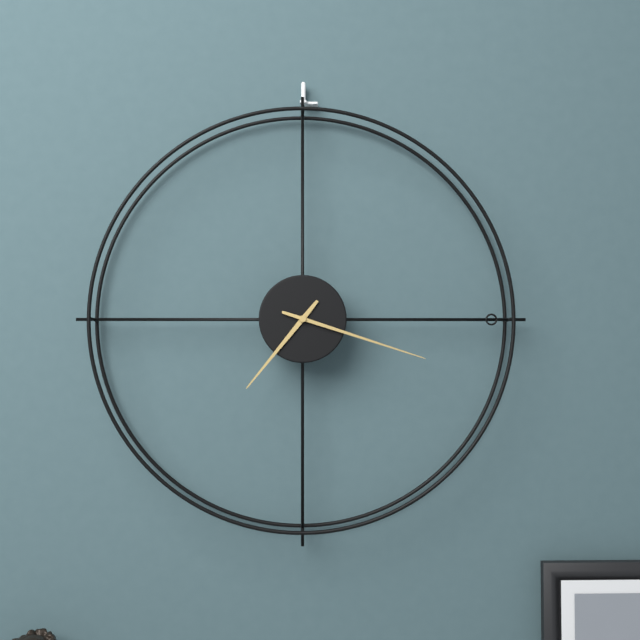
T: 7:18
